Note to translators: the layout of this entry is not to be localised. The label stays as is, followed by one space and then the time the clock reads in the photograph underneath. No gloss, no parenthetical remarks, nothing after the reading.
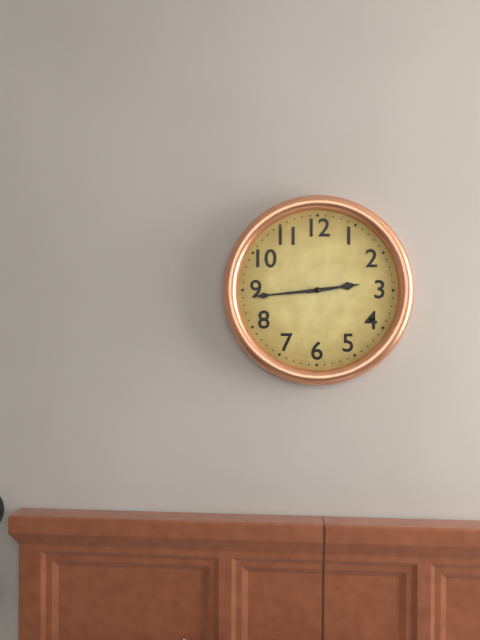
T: 2:44
